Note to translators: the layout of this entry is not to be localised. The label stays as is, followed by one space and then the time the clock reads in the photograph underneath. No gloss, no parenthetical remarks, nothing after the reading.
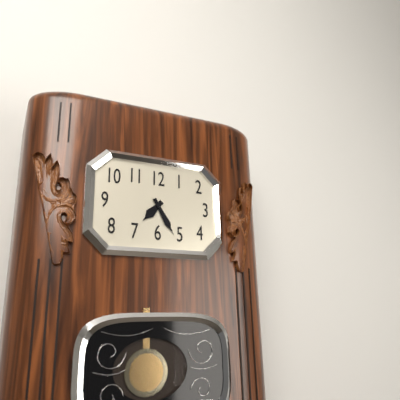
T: 7:25
